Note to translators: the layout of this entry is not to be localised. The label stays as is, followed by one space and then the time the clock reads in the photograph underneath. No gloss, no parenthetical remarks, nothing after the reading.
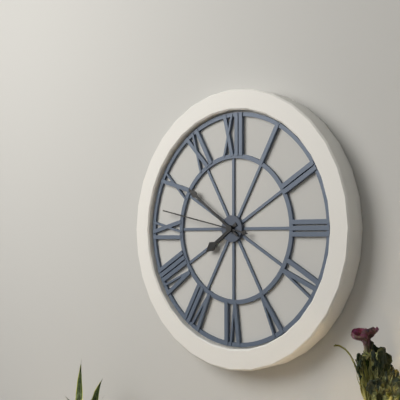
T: 7:51:47
